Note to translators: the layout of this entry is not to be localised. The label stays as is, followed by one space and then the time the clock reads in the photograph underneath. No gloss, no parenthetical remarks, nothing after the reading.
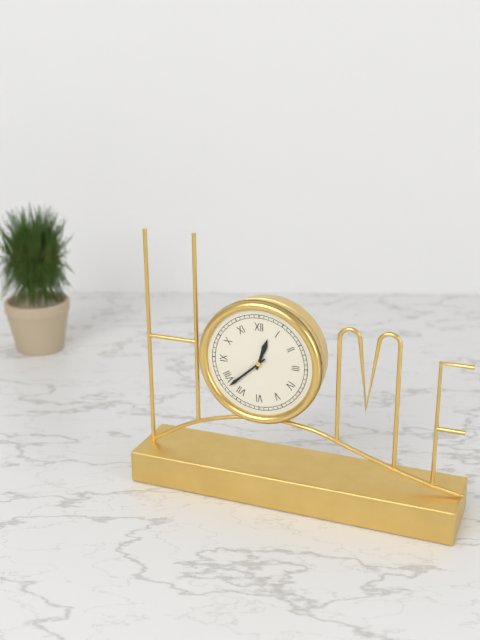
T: 12:38
